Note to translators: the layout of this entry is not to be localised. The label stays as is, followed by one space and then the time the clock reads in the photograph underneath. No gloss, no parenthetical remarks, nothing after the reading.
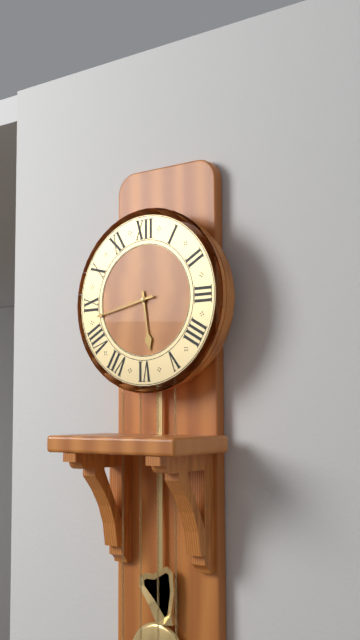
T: 5:43
